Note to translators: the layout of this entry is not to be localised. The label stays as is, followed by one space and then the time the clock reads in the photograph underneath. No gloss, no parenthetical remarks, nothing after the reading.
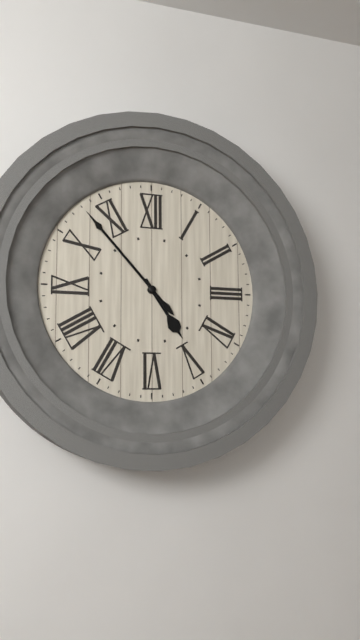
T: 4:53
